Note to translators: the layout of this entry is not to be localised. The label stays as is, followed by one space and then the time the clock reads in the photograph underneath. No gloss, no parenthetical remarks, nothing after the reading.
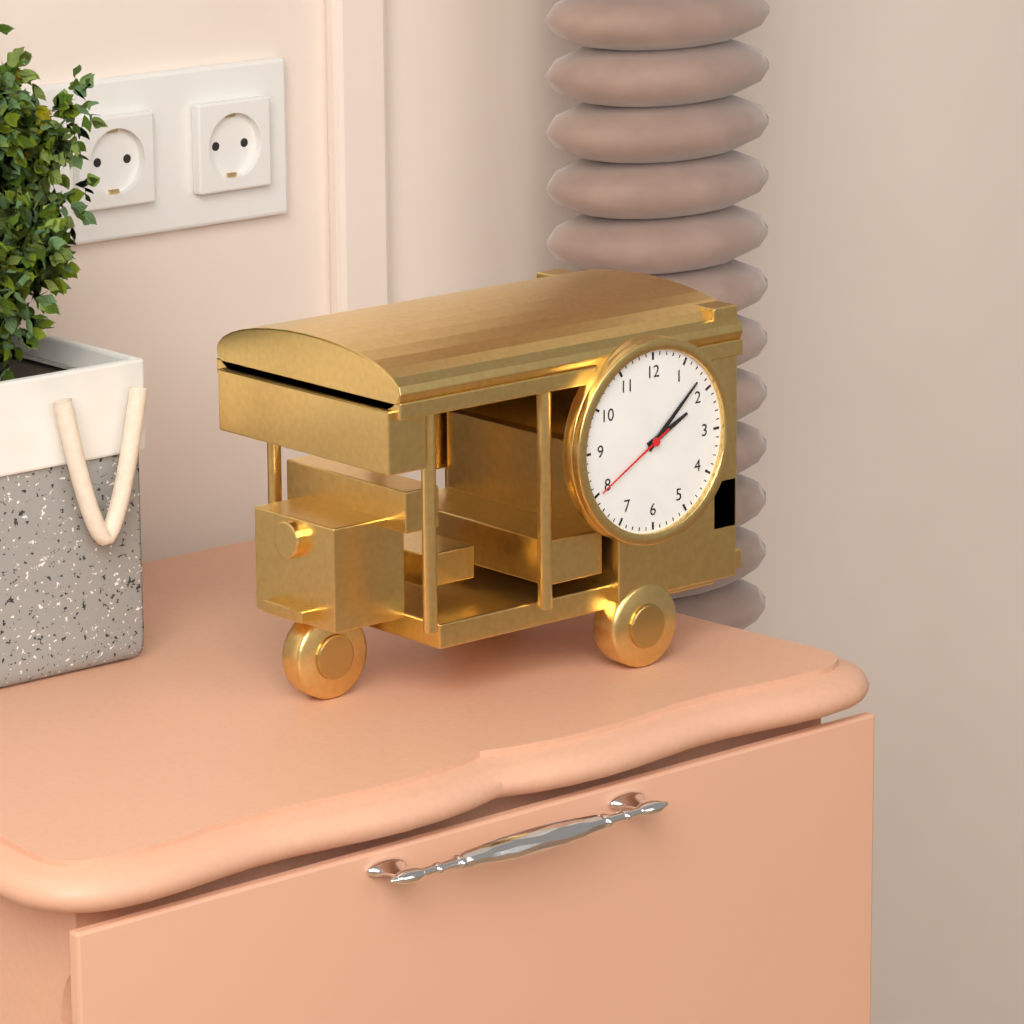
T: 2:08:40
